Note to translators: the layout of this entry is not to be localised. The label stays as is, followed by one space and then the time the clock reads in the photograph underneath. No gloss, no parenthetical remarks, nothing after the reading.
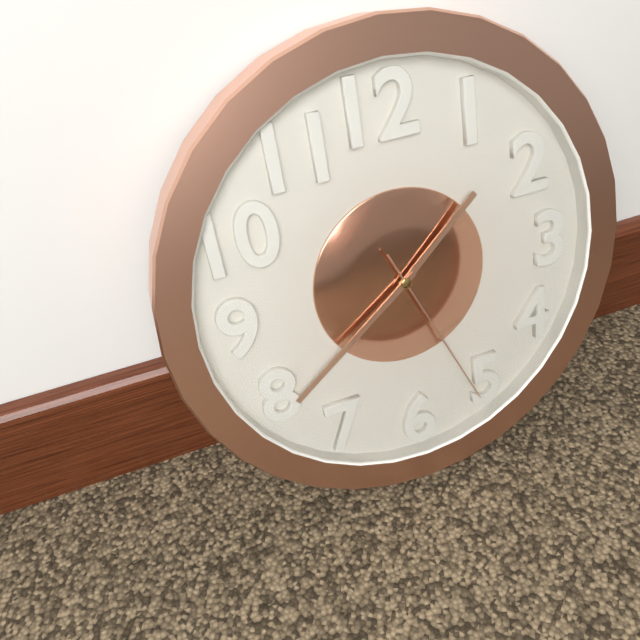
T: 1:39:26
